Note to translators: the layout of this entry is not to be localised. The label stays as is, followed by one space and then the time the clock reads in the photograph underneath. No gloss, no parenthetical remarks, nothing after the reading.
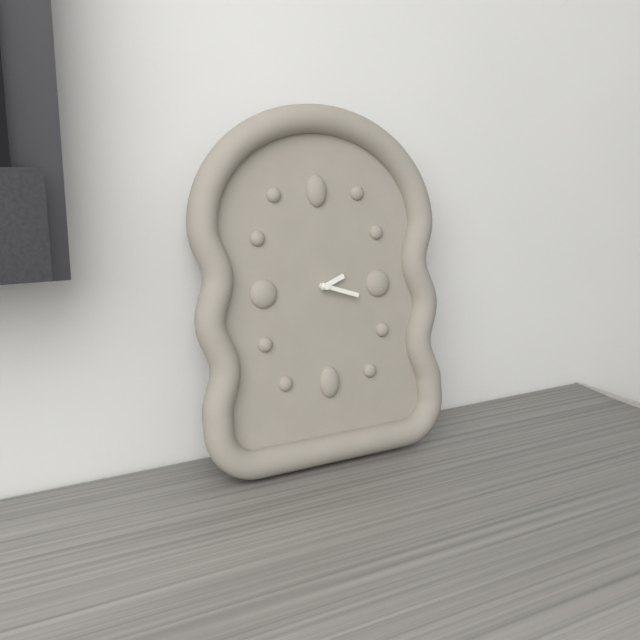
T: 2:18
